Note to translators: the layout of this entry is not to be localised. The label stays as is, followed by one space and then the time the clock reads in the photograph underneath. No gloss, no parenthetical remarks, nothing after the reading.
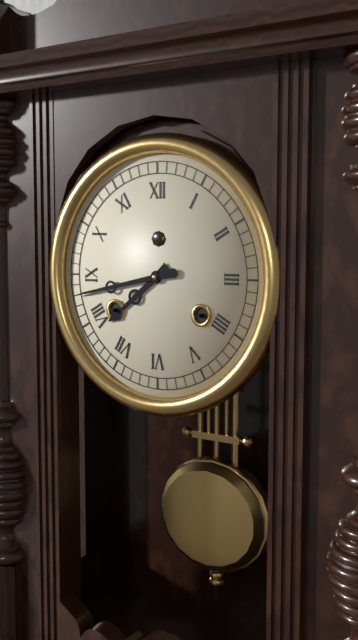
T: 7:43
